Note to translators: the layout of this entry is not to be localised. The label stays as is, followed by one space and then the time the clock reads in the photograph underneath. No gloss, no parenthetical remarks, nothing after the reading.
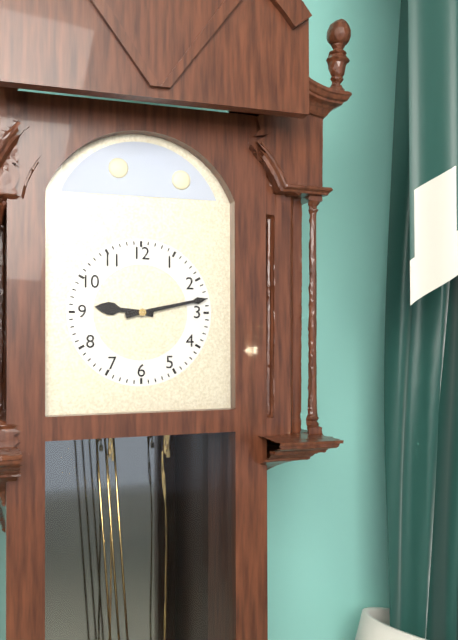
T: 9:13
